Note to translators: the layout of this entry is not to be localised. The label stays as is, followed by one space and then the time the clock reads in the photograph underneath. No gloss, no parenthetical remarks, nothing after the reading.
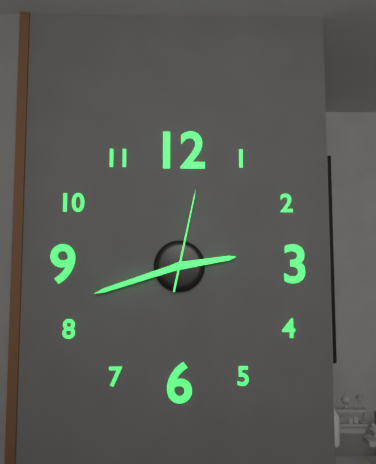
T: 2:42:02
